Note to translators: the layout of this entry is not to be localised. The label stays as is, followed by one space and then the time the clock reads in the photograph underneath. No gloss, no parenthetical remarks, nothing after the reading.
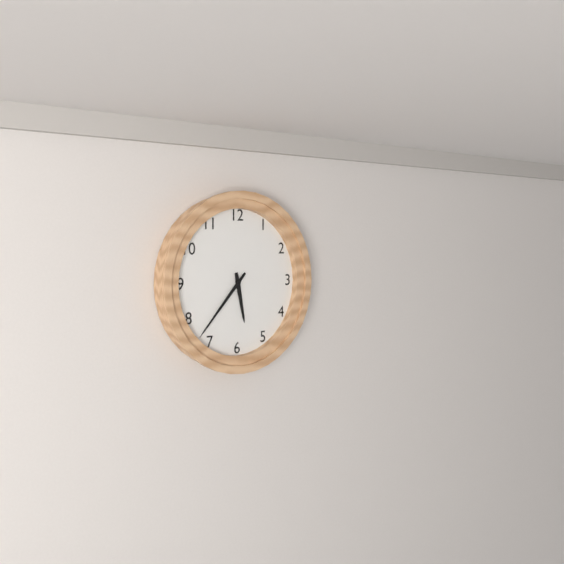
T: 5:37
